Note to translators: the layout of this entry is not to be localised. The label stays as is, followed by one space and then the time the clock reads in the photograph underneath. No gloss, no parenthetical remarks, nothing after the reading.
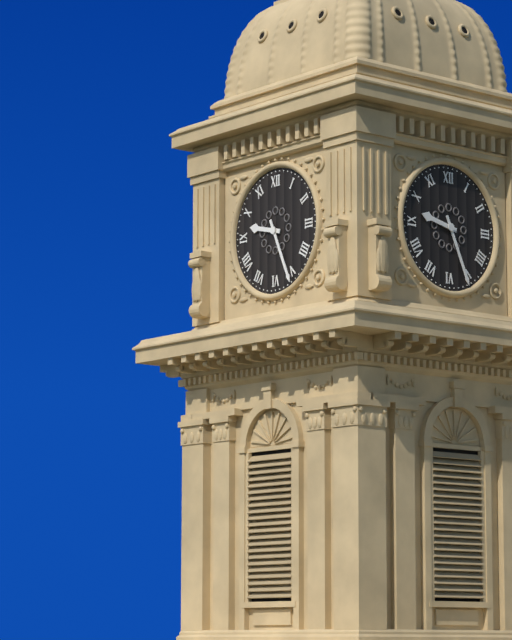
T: 9:26
